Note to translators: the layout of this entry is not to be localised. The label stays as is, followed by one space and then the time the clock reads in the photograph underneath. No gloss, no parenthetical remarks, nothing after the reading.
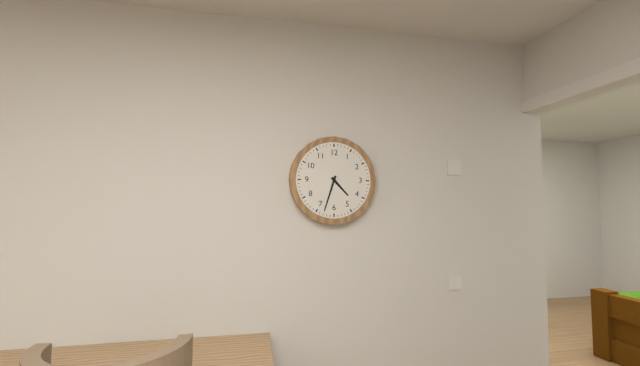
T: 4:33
